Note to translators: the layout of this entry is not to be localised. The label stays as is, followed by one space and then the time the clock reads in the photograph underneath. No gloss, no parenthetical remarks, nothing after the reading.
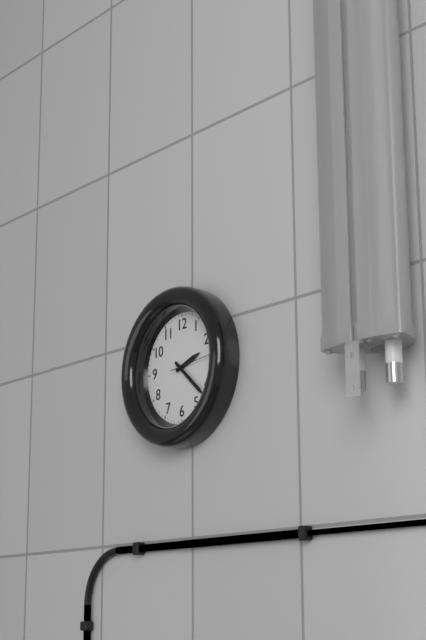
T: 2:22
